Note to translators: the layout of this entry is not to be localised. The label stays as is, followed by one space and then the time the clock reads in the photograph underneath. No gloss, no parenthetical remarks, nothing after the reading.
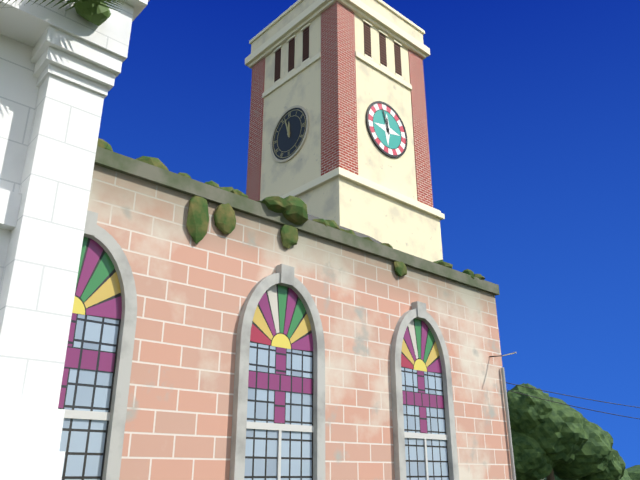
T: 11:57
